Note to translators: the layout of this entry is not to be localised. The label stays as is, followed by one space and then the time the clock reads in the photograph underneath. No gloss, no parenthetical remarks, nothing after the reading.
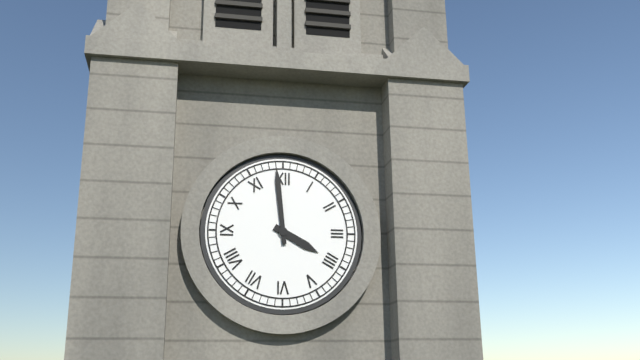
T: 3:59
